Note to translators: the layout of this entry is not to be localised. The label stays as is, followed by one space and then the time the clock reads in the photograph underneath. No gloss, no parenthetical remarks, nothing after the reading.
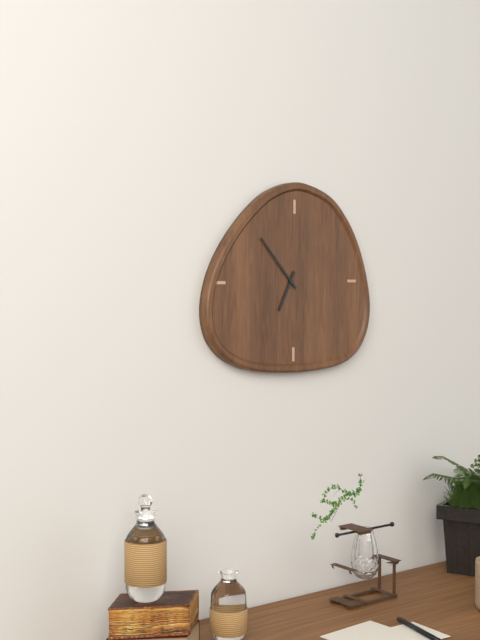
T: 6:53
